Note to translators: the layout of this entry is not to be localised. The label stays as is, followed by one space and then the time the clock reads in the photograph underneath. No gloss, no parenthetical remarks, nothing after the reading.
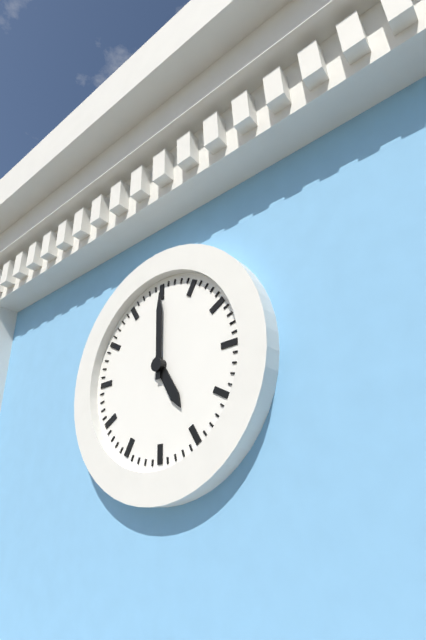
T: 5:00
